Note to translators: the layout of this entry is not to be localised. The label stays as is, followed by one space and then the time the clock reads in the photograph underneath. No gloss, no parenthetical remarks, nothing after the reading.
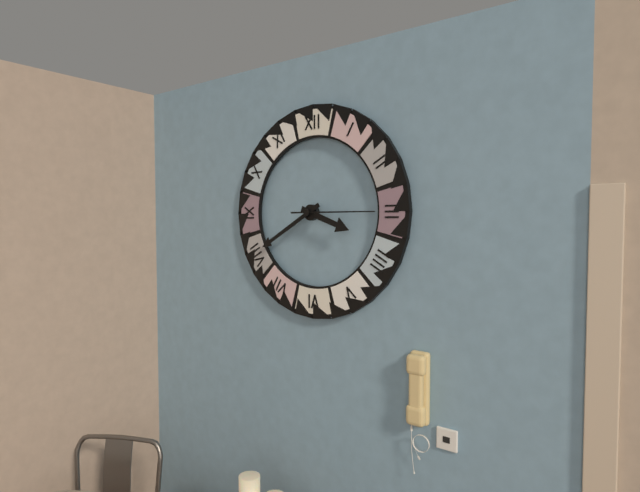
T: 3:40:15
